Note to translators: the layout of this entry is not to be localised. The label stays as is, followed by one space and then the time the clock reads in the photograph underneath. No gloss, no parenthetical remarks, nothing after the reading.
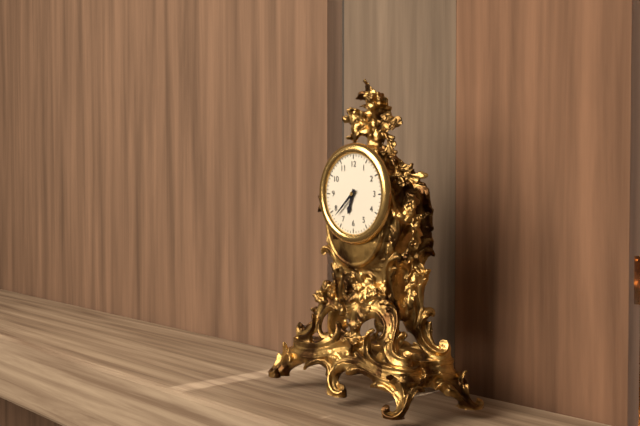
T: 6:38
